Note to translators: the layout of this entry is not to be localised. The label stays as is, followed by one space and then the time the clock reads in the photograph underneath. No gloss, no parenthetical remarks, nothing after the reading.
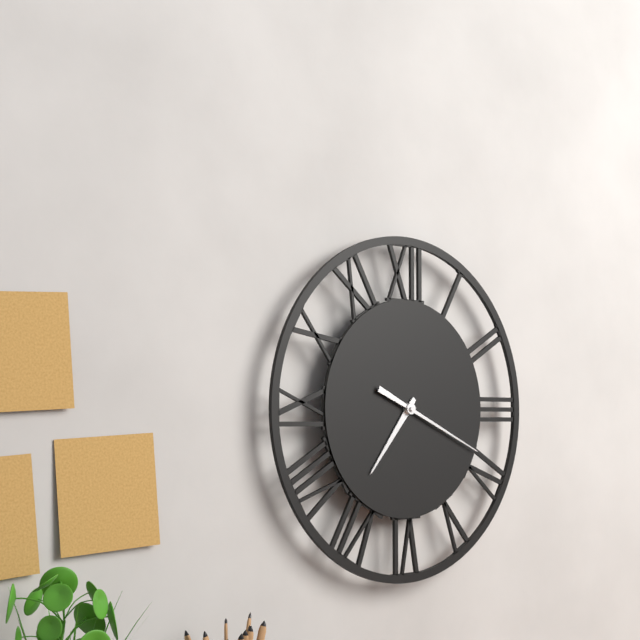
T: 7:19
